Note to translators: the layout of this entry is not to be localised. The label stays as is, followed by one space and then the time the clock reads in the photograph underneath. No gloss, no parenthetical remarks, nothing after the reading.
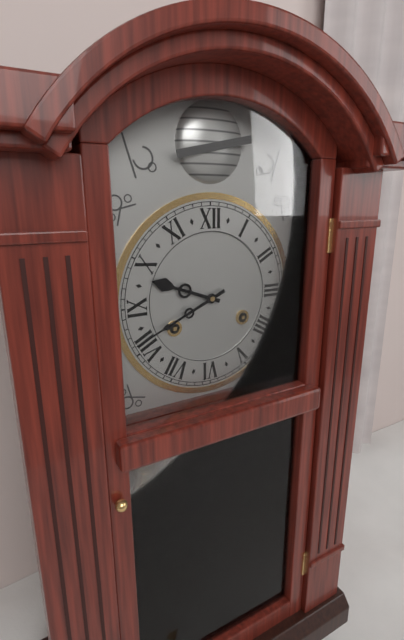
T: 9:41
